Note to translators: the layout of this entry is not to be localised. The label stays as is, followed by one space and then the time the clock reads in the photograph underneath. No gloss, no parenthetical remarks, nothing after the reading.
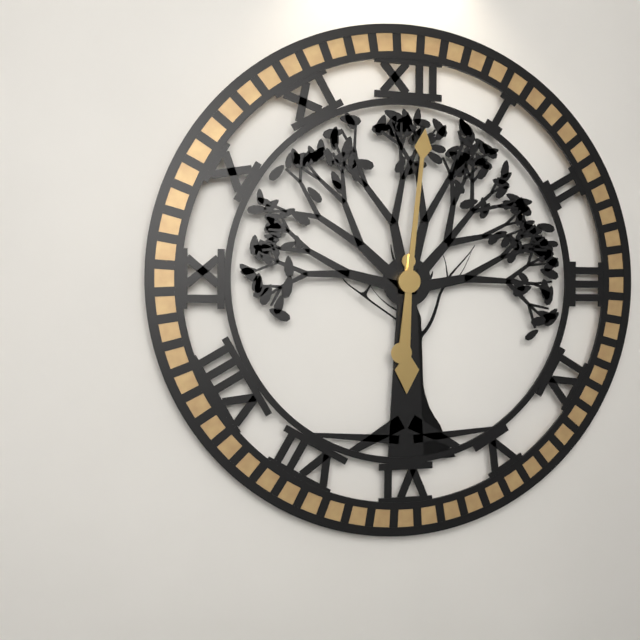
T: 6:01
